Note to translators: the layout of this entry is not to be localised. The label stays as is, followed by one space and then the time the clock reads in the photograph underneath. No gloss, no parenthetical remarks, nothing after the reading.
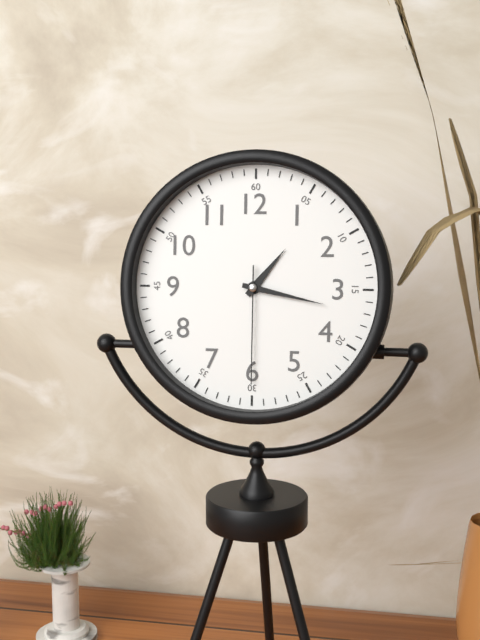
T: 1:17:30
